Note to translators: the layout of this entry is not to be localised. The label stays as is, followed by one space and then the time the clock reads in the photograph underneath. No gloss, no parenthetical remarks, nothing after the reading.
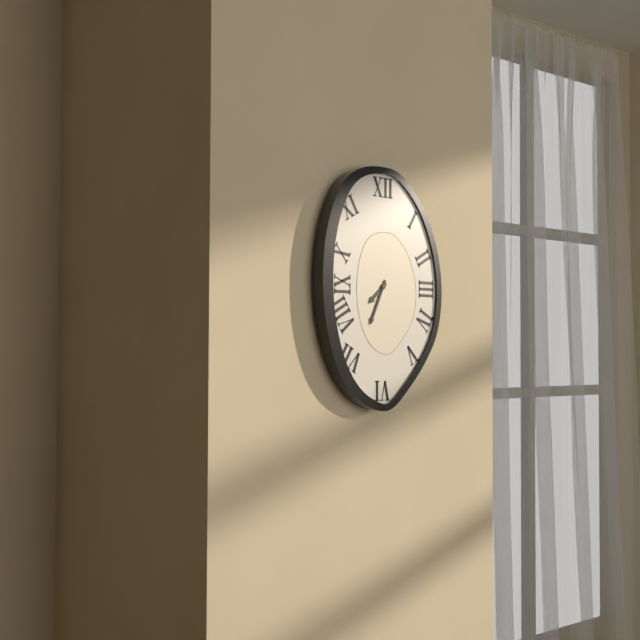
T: 7:34
